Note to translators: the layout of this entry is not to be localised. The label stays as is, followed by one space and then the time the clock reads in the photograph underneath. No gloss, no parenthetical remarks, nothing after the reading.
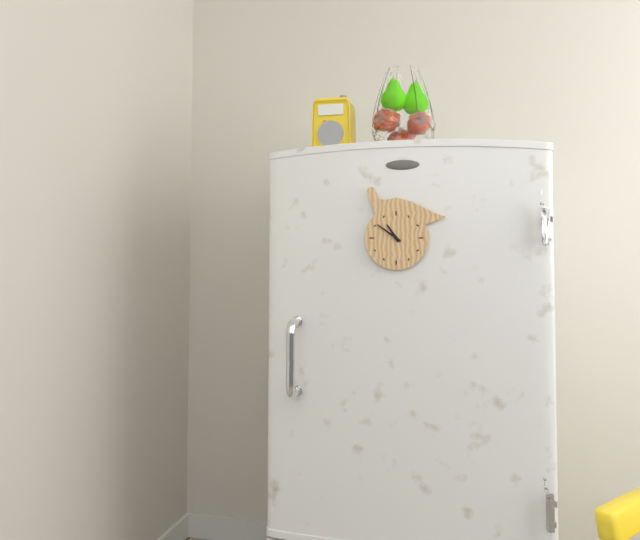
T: 10:51
